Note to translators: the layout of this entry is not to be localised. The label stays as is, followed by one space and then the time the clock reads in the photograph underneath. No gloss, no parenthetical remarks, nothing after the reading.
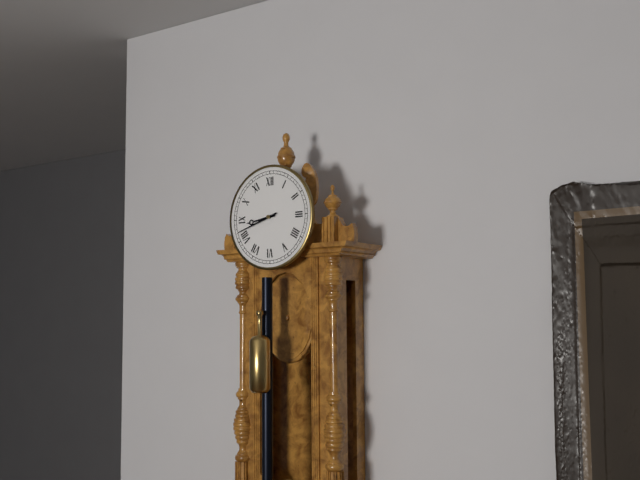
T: 8:42
